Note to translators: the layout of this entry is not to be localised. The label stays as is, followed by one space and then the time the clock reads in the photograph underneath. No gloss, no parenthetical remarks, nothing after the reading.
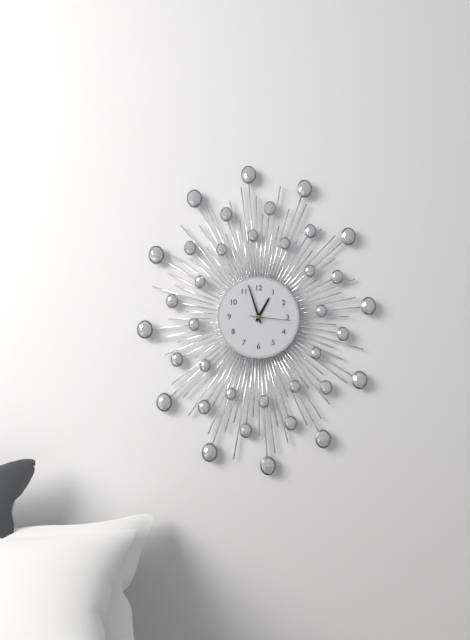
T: 12:57
